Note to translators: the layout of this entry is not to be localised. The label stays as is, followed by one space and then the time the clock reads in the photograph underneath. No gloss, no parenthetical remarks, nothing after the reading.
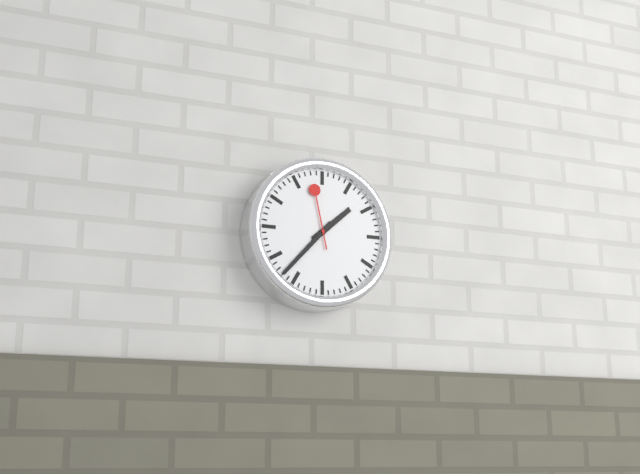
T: 1:37:58
